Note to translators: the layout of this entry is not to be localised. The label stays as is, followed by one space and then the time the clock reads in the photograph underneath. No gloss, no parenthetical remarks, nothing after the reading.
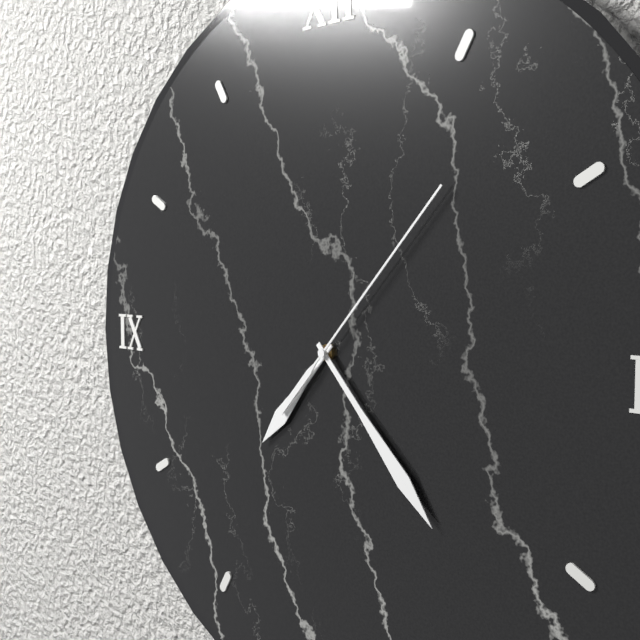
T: 7:23:07
